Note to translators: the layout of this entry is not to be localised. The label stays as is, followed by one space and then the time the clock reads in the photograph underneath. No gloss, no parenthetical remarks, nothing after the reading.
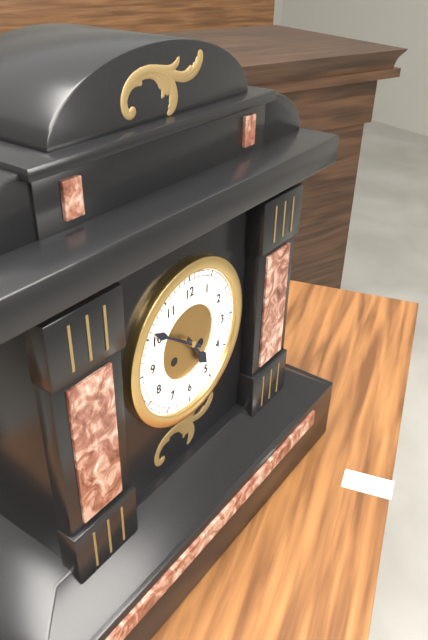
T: 4:51
